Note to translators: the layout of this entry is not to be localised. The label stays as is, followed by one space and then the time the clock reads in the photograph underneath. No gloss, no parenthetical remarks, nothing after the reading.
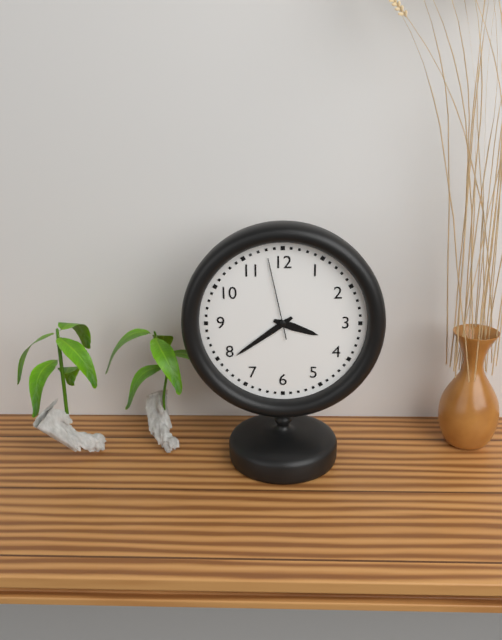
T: 3:39:58
